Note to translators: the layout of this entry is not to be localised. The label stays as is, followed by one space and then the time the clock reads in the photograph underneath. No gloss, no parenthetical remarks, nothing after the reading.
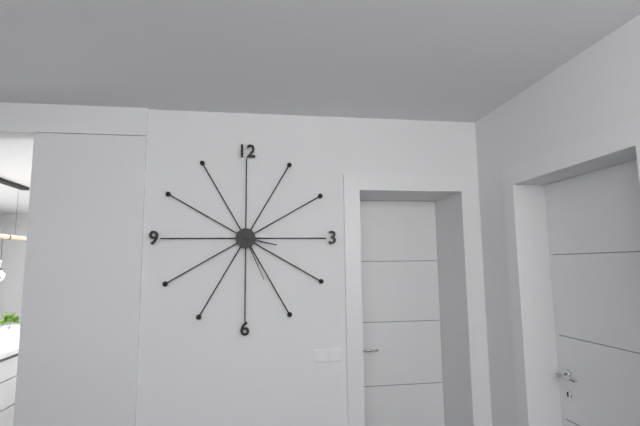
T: 3:26
